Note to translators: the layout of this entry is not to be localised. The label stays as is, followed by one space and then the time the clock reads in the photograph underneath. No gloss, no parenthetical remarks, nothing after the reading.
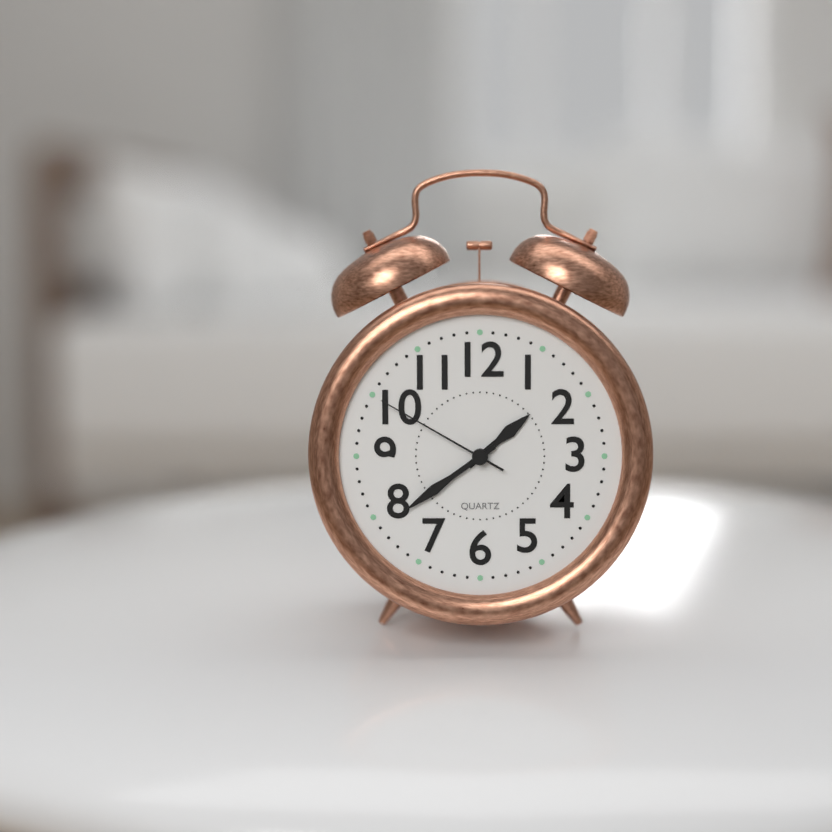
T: 1:39:50
